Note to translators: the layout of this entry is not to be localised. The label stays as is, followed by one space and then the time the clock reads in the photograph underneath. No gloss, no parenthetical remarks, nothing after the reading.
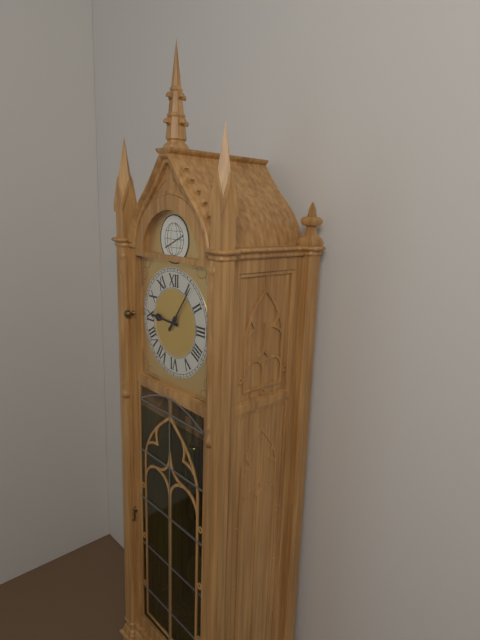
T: 9:06
